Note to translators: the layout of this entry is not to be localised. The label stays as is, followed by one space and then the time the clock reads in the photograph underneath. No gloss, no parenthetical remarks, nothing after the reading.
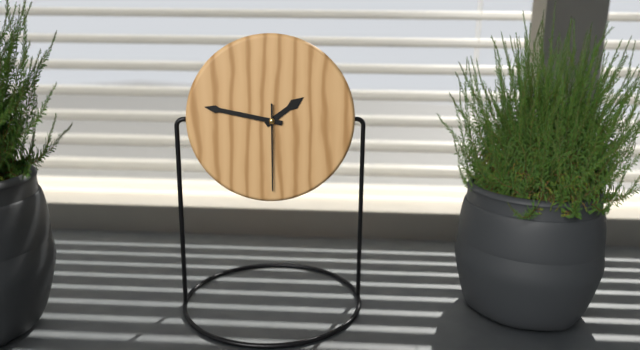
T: 1:47:30
